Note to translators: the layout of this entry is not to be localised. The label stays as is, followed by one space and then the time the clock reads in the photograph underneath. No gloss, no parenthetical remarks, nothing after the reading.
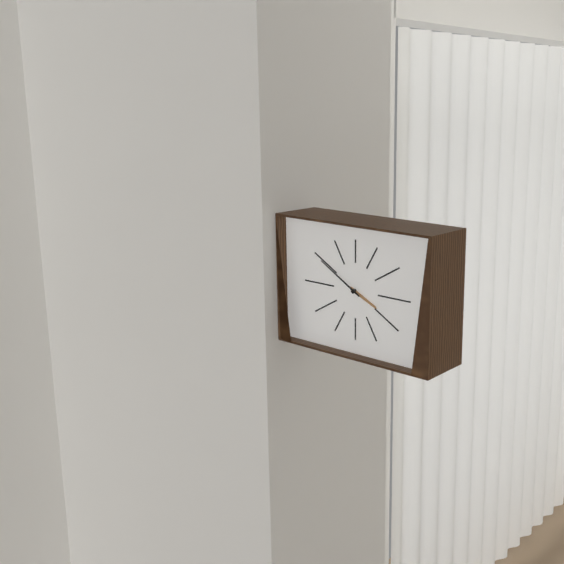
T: 3:50
